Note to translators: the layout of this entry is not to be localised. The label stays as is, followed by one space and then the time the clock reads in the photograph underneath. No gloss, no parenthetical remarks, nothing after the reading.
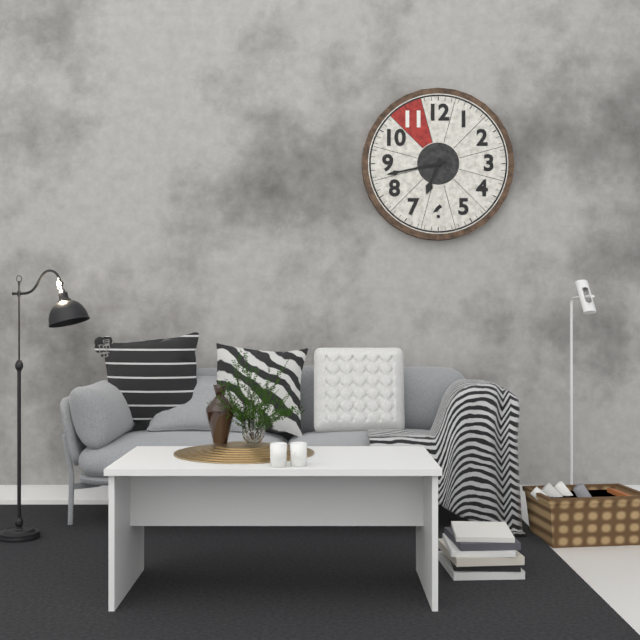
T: 6:43
